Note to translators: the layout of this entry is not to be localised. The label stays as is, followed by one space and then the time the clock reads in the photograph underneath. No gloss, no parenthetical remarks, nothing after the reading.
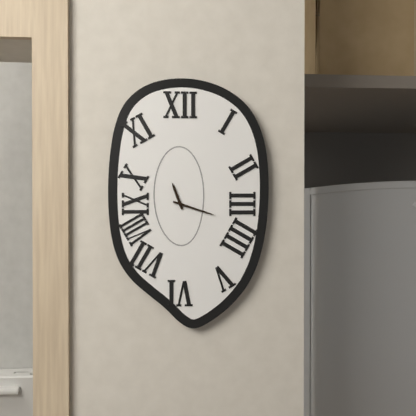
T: 11:18
